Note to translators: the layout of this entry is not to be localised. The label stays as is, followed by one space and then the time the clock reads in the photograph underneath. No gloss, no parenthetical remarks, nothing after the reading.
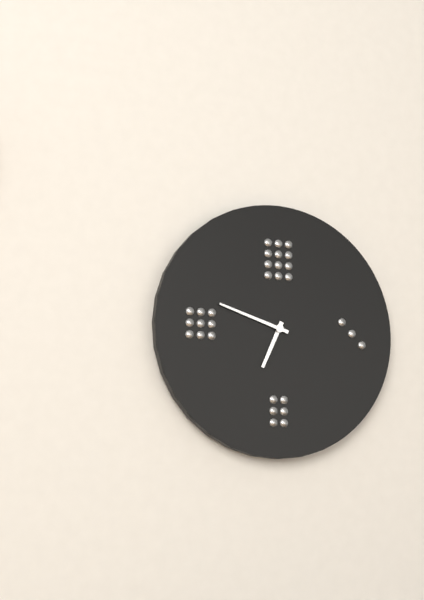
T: 6:48
